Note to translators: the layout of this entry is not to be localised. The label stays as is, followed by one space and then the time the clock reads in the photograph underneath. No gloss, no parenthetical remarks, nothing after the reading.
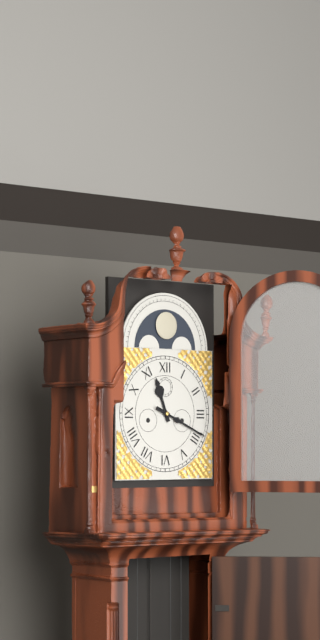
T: 11:19
